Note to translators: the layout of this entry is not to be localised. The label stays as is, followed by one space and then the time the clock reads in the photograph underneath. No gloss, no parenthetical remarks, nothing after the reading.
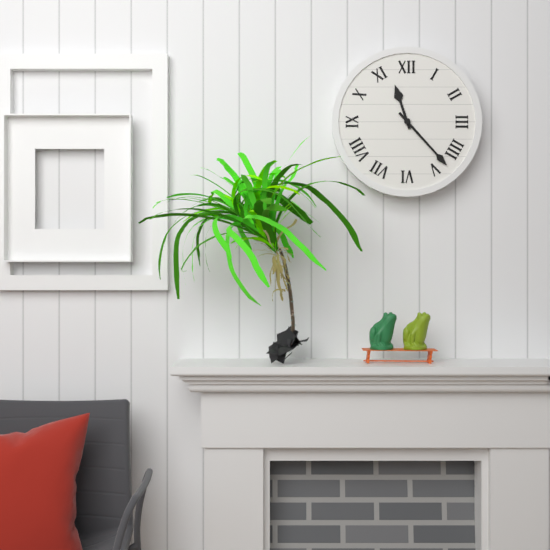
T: 11:23
